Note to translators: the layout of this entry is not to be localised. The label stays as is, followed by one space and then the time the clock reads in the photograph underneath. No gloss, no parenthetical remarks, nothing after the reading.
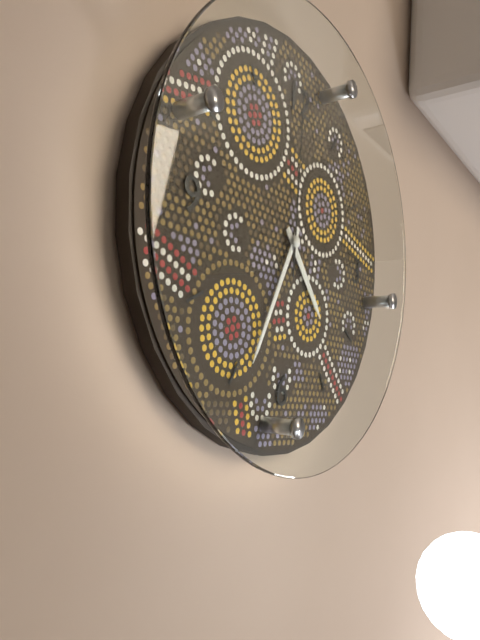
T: 4:34:00
